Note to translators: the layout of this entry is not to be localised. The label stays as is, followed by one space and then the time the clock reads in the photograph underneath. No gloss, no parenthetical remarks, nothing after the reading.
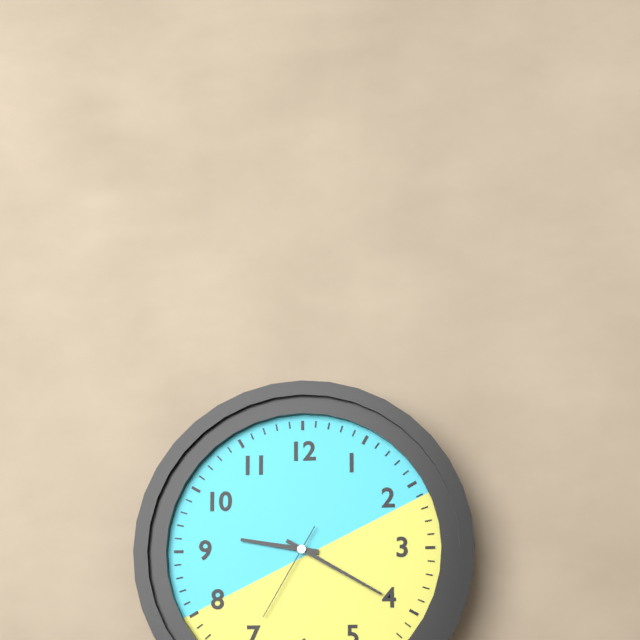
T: 9:20:35
